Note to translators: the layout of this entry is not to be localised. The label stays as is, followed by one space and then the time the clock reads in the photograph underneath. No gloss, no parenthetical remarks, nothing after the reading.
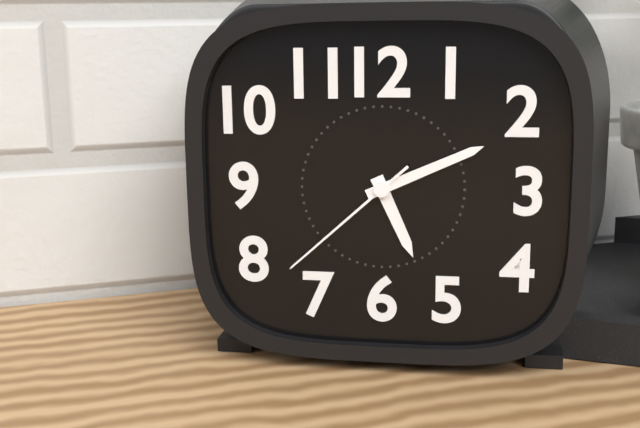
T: 5:11:38
